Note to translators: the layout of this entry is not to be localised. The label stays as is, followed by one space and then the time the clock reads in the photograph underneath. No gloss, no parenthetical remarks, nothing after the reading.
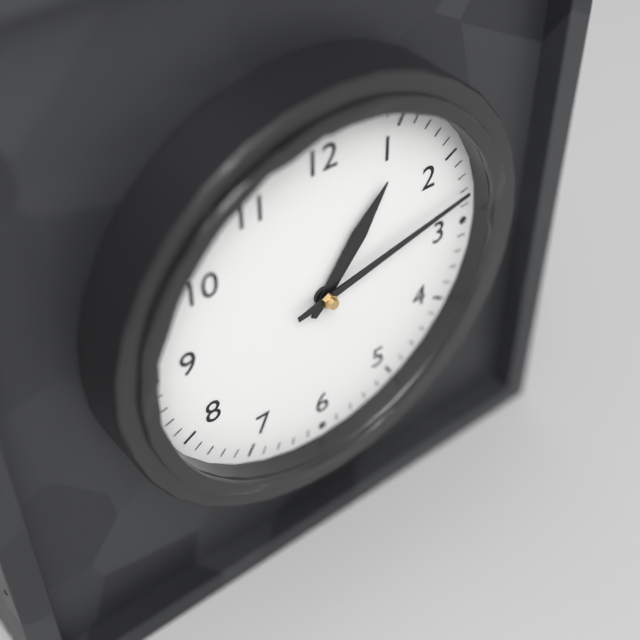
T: 1:13
